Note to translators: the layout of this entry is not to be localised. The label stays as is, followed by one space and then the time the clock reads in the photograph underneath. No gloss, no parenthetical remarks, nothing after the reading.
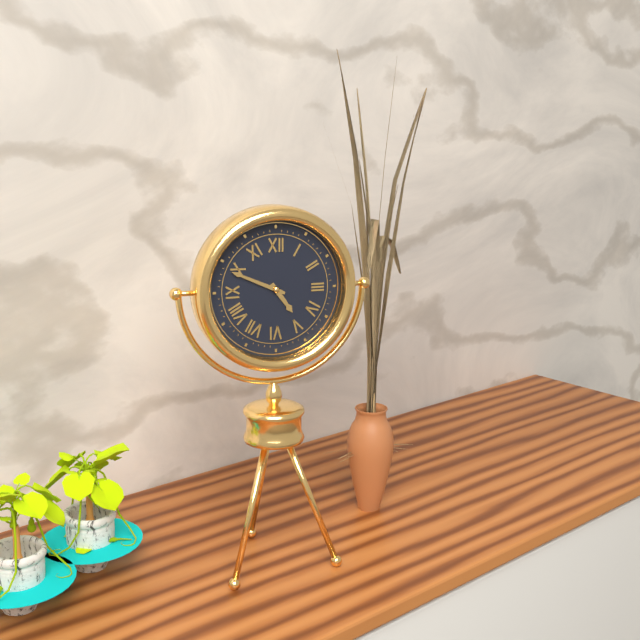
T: 4:49
